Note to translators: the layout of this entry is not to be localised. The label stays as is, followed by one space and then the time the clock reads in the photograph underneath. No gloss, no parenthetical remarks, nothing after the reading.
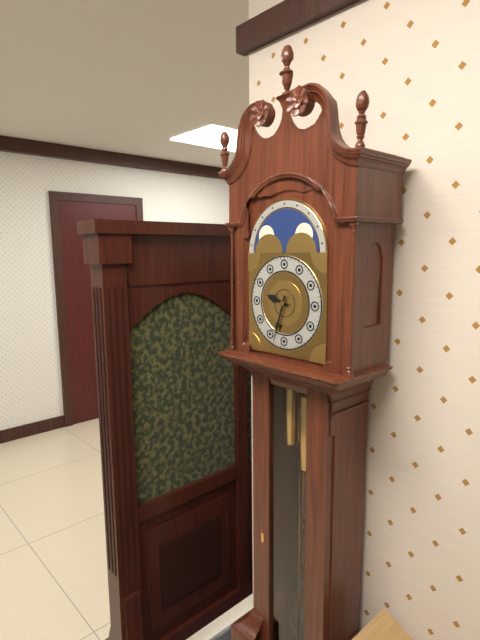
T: 9:33
